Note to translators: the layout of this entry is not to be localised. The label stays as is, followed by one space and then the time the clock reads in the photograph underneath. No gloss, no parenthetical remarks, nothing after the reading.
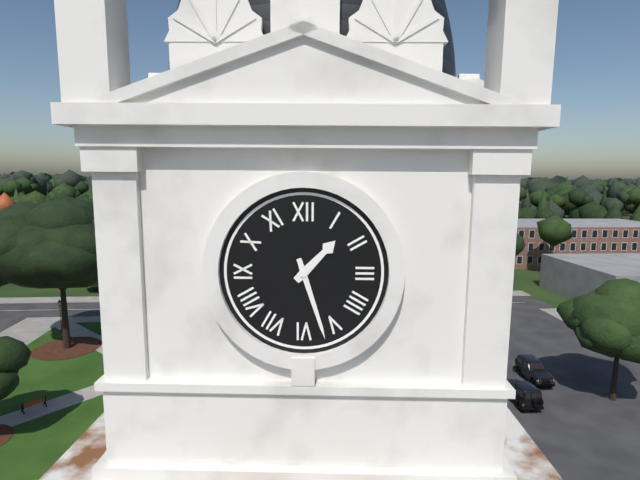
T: 1:27
